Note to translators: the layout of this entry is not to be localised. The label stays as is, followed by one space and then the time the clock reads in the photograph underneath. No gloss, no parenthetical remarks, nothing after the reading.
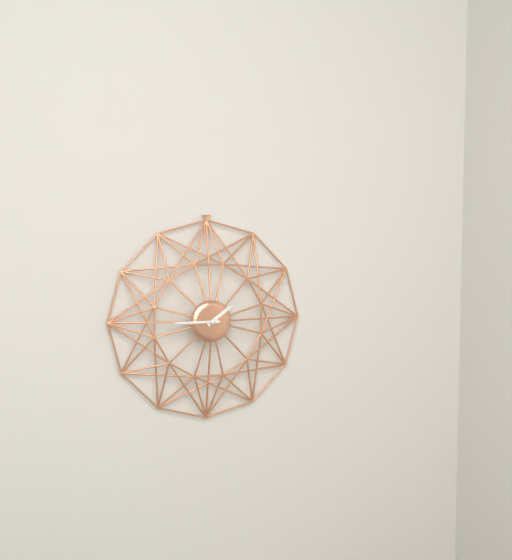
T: 1:45
